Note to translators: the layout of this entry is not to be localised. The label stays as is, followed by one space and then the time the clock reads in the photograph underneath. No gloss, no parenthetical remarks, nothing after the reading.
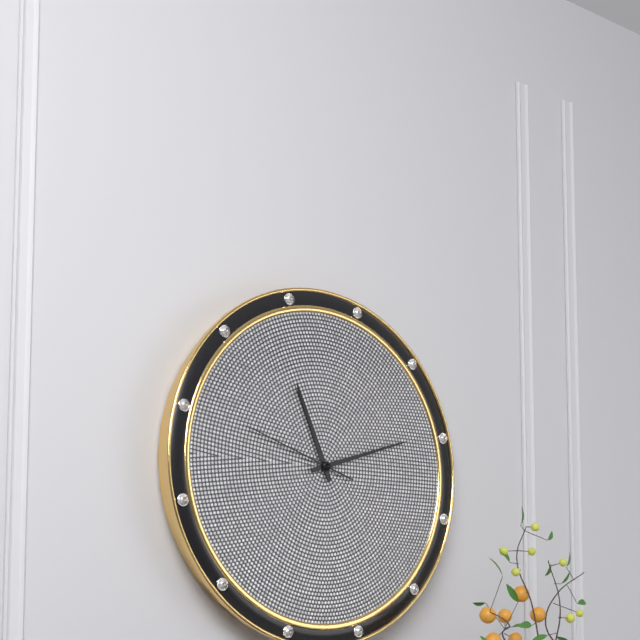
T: 11:12:48
